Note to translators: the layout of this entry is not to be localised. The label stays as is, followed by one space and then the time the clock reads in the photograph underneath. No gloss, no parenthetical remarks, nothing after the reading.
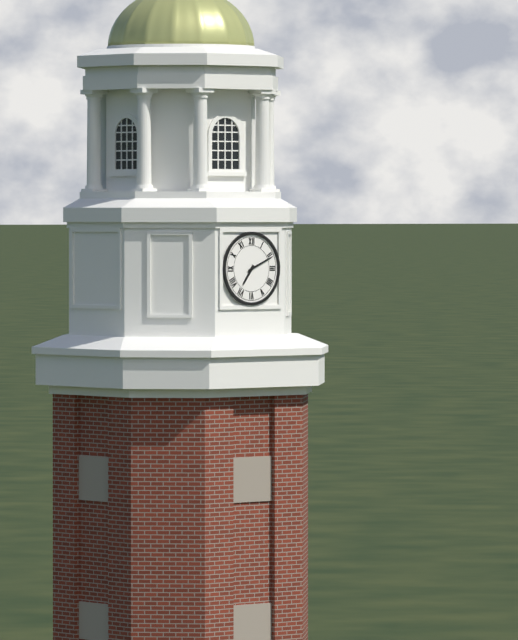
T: 7:11
